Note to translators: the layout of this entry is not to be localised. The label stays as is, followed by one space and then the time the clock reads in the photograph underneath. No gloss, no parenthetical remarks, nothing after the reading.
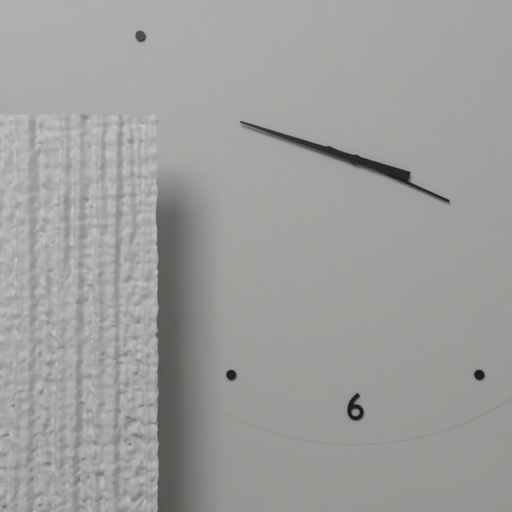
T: 3:48
